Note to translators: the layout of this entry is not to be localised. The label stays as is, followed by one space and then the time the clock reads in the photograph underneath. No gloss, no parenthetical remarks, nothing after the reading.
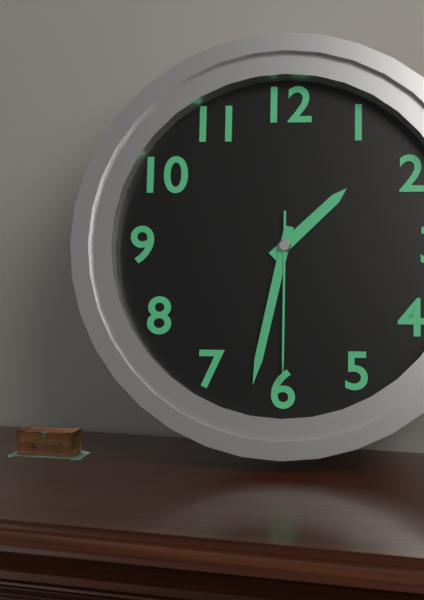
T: 1:32:30
